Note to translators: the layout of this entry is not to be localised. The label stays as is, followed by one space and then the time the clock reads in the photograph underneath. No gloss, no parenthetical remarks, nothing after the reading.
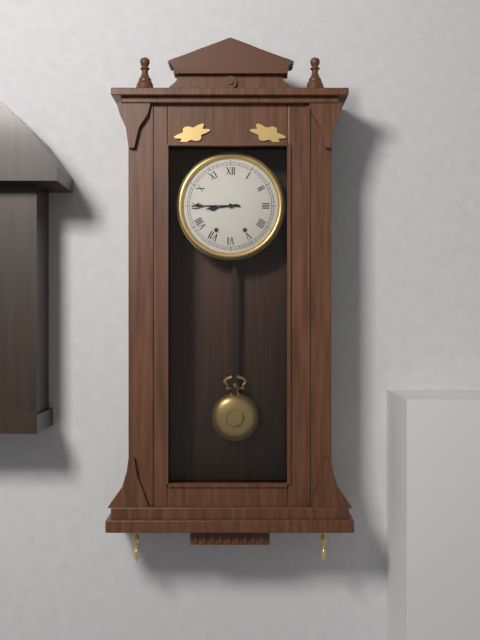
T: 8:45
